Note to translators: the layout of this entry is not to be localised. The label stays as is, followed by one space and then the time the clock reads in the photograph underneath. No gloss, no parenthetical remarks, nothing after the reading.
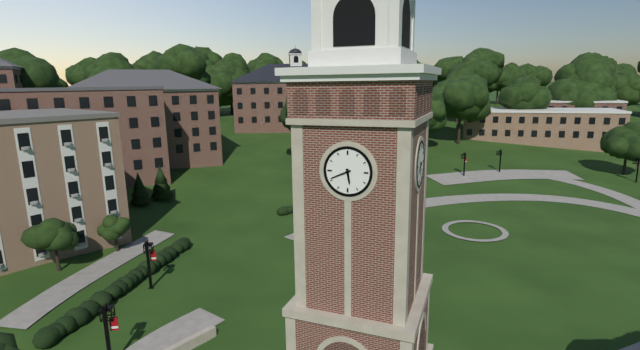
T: 5:41
